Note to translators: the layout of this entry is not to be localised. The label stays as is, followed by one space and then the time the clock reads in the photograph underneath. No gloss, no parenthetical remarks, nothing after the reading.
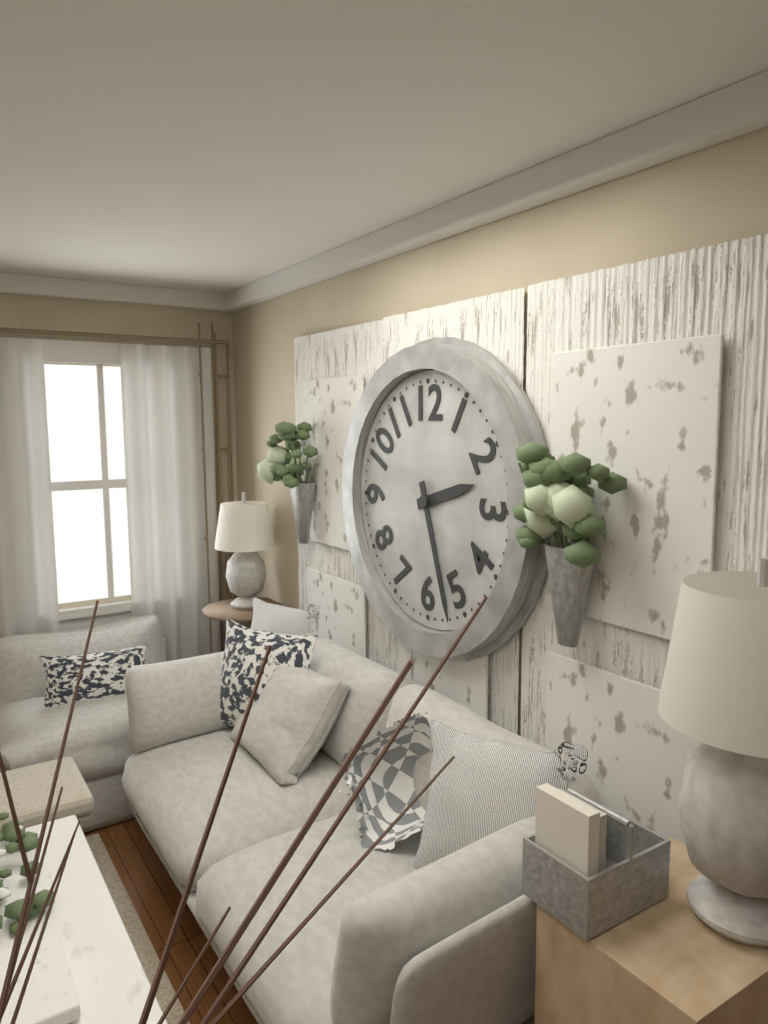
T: 2:27
